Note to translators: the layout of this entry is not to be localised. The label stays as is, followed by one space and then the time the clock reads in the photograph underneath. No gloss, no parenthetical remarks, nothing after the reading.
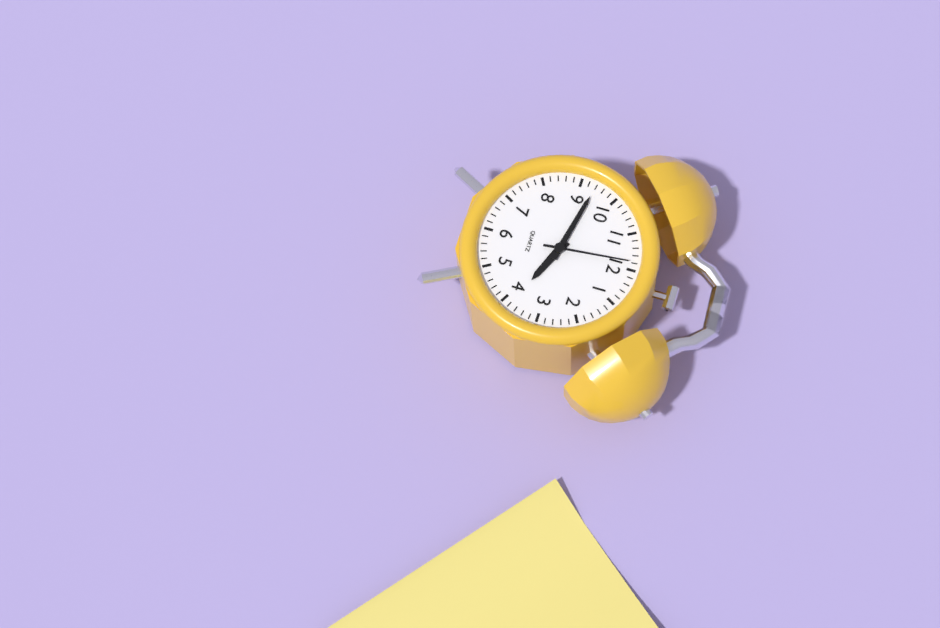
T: 3:47:59
